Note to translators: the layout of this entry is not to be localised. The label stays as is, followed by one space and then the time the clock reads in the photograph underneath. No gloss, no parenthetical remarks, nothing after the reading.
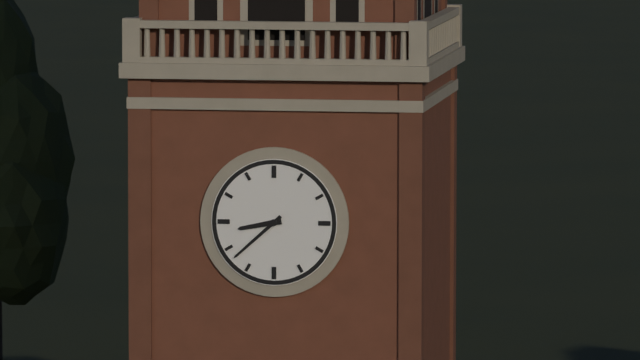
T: 8:38
